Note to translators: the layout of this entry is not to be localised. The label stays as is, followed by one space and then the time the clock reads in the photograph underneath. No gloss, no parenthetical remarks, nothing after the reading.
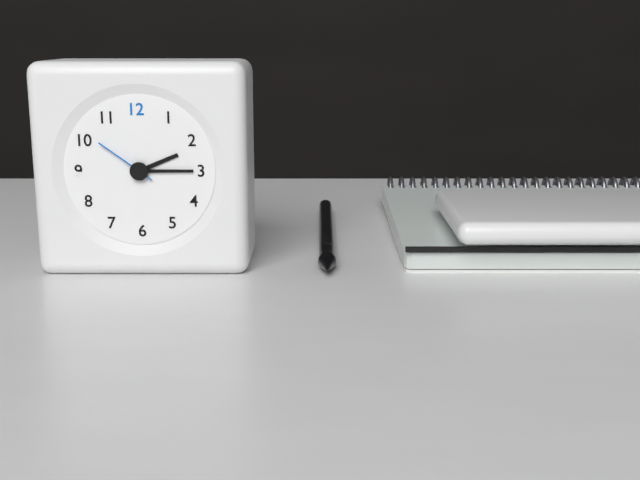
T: 2:15:51
